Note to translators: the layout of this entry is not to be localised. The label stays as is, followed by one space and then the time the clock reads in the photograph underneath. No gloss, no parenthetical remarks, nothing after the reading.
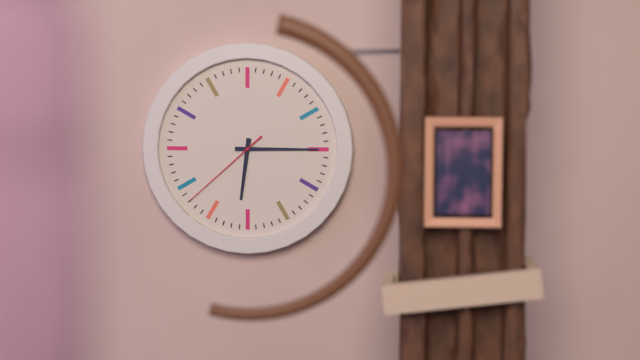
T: 6:15:38
